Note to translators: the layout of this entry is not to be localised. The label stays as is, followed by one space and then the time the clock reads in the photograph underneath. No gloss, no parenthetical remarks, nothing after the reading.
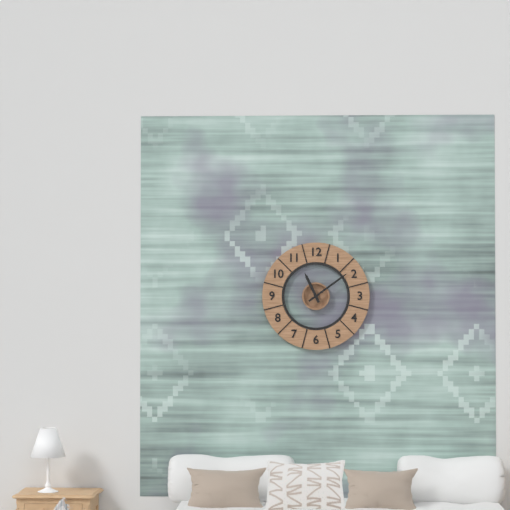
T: 11:09
